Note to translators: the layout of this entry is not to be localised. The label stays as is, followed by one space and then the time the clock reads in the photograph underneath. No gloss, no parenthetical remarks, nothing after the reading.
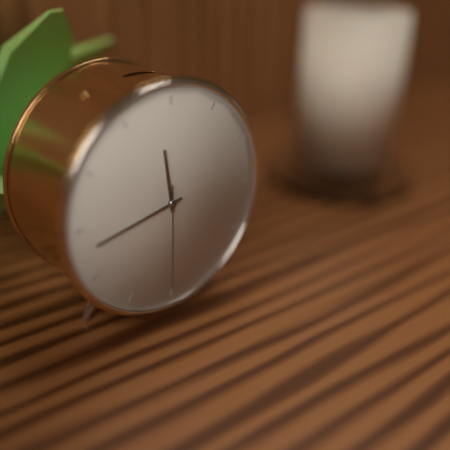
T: 11:43:30
